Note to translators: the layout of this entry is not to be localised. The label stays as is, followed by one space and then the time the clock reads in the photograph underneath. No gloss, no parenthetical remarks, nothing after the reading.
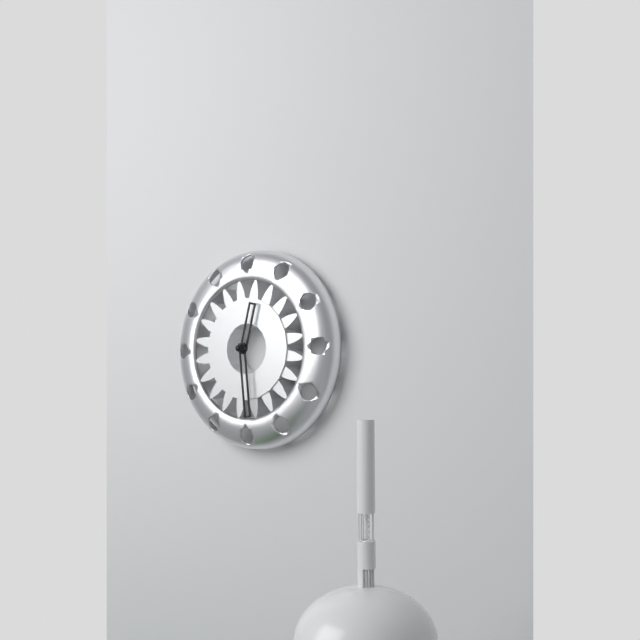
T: 12:29
